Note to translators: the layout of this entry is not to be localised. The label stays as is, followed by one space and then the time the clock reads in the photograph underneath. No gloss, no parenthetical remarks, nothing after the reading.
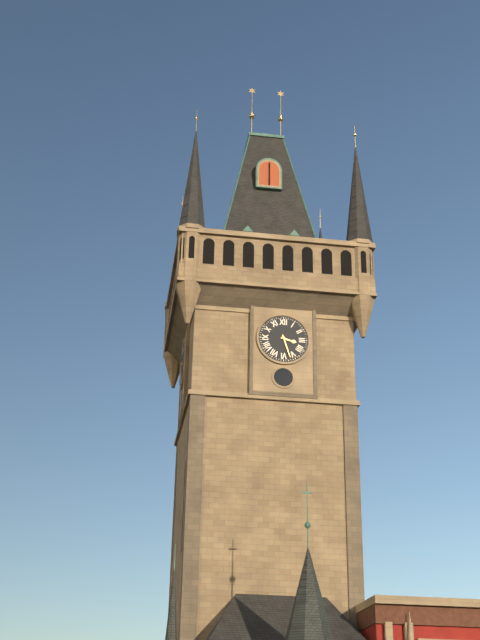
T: 3:27
